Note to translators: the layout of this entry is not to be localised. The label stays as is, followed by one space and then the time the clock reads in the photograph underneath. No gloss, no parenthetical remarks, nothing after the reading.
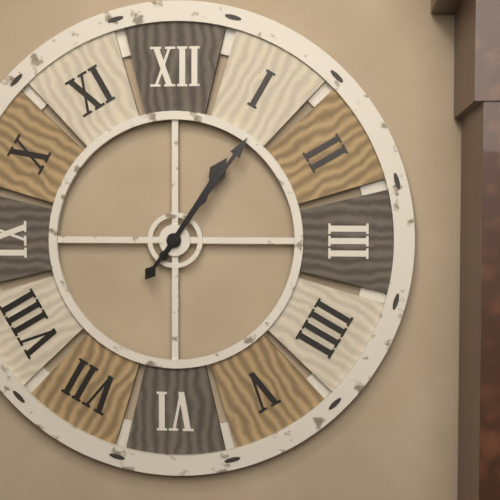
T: 1:06
